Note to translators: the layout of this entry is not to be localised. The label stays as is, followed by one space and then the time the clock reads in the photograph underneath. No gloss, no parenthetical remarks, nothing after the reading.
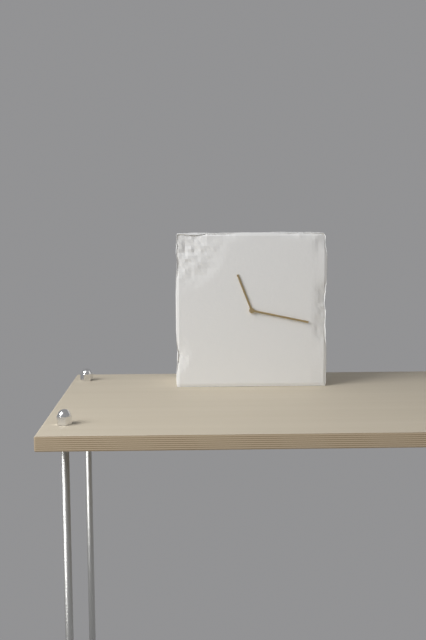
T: 11:17
